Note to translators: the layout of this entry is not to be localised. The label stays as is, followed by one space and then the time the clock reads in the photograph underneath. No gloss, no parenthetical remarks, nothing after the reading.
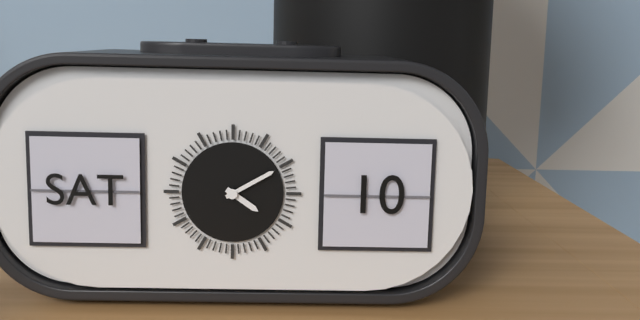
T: 4:10
